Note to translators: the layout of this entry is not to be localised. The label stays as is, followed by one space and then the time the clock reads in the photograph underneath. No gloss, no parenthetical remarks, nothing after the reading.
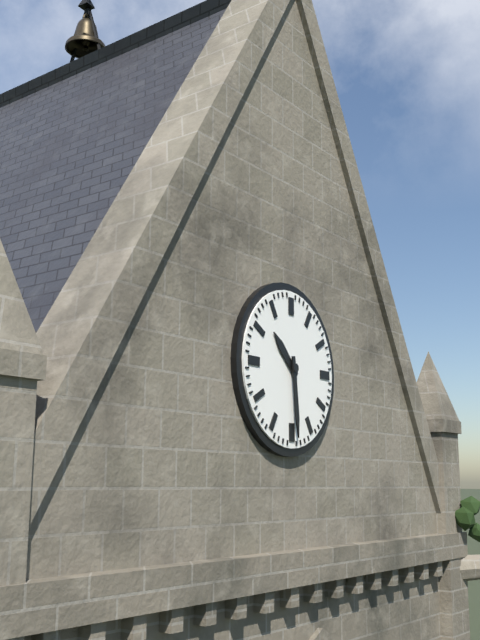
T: 10:29
